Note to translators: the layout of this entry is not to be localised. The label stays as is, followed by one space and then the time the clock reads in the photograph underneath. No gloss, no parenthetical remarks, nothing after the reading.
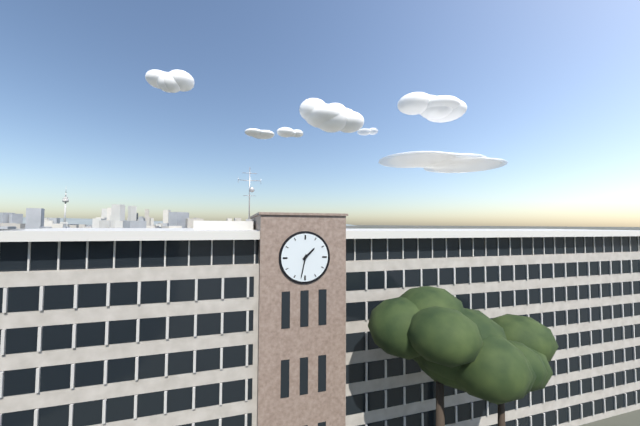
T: 1:32
